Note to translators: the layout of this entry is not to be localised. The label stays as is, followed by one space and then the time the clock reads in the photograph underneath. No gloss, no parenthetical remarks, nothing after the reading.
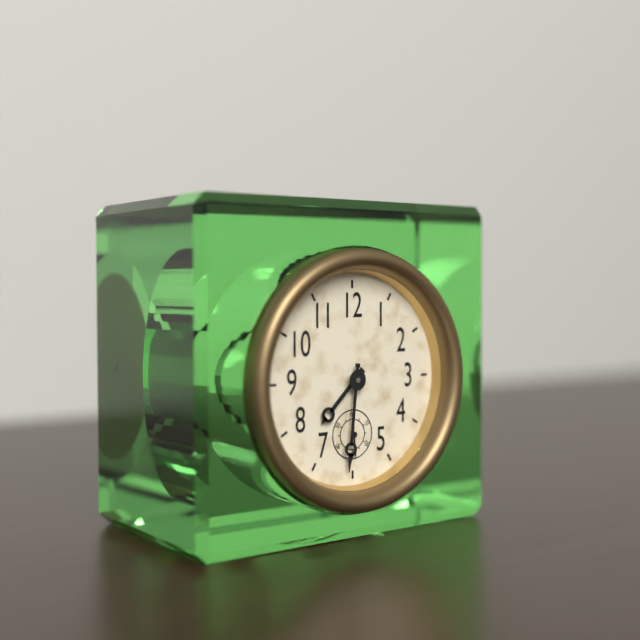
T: 7:31
